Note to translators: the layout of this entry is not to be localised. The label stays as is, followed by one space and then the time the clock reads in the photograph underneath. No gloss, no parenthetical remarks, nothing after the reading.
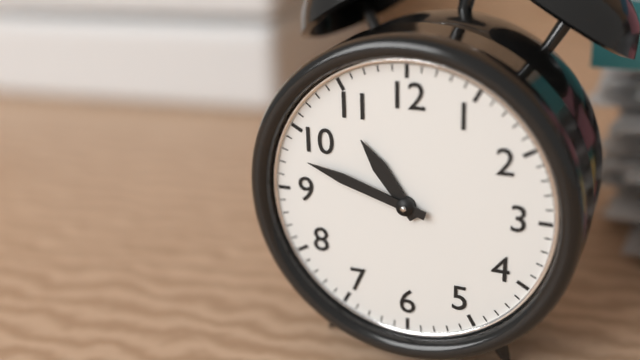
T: 10:48
